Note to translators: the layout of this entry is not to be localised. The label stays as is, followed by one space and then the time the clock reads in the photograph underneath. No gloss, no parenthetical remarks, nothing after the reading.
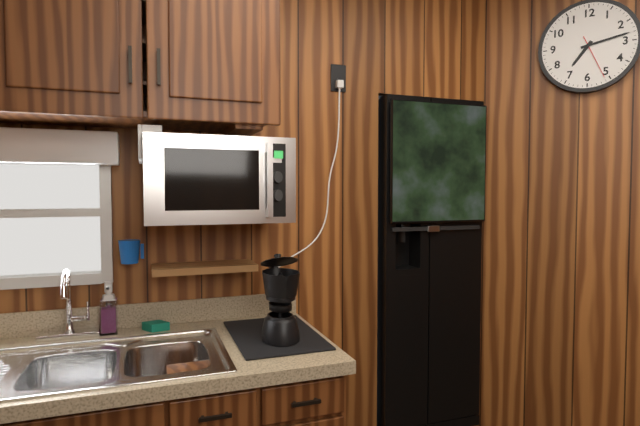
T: 7:13
